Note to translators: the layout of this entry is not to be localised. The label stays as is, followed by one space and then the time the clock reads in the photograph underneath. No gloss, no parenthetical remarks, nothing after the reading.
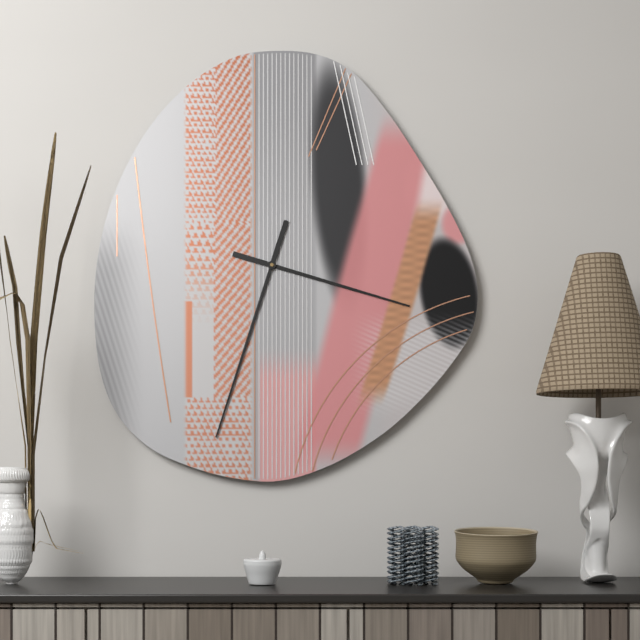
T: 3:33
